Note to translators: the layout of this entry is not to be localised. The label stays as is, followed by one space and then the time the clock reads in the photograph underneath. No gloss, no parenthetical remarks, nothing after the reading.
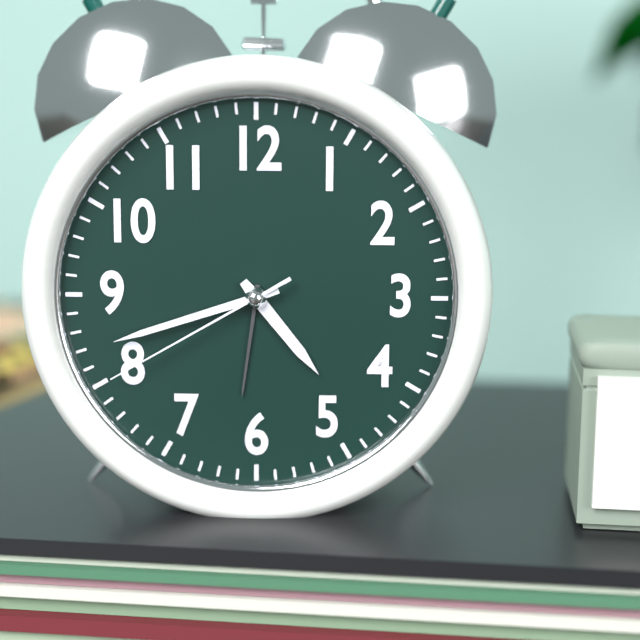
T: 4:42:40
